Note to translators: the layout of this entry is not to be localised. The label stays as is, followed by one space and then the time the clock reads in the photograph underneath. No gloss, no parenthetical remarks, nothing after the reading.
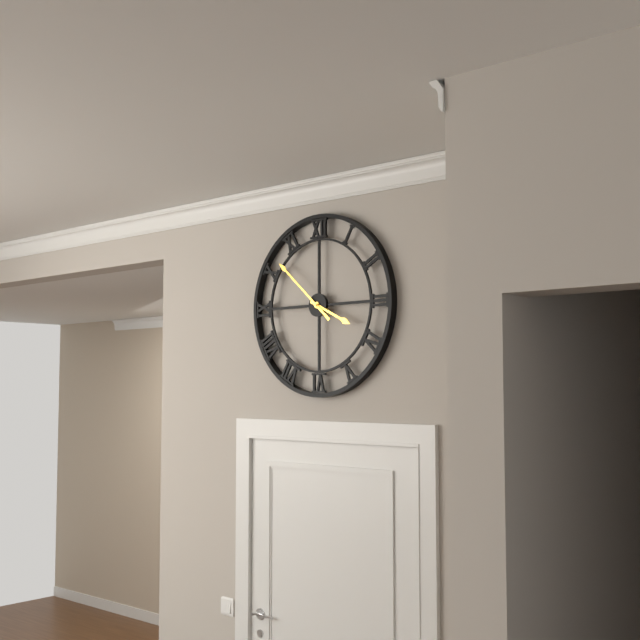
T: 3:52
